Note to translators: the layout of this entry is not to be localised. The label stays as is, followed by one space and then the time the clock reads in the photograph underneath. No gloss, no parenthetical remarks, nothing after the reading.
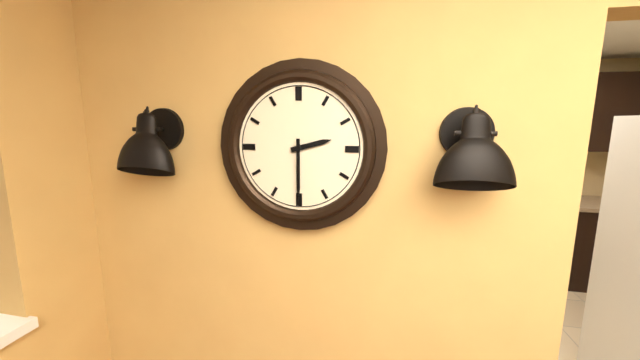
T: 2:30
